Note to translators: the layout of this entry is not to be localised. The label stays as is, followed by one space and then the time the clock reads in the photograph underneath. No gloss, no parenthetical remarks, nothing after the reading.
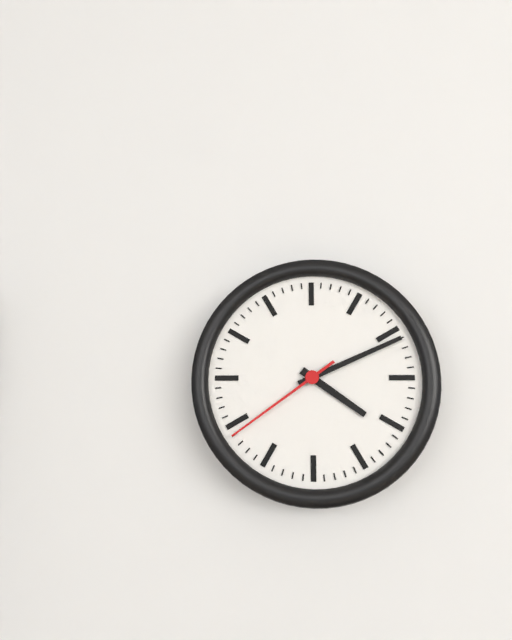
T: 4:11:39
